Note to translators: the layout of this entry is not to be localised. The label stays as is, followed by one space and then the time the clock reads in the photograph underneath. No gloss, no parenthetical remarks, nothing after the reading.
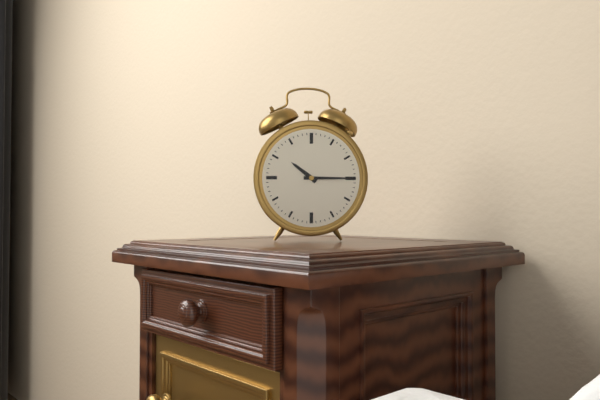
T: 10:15
